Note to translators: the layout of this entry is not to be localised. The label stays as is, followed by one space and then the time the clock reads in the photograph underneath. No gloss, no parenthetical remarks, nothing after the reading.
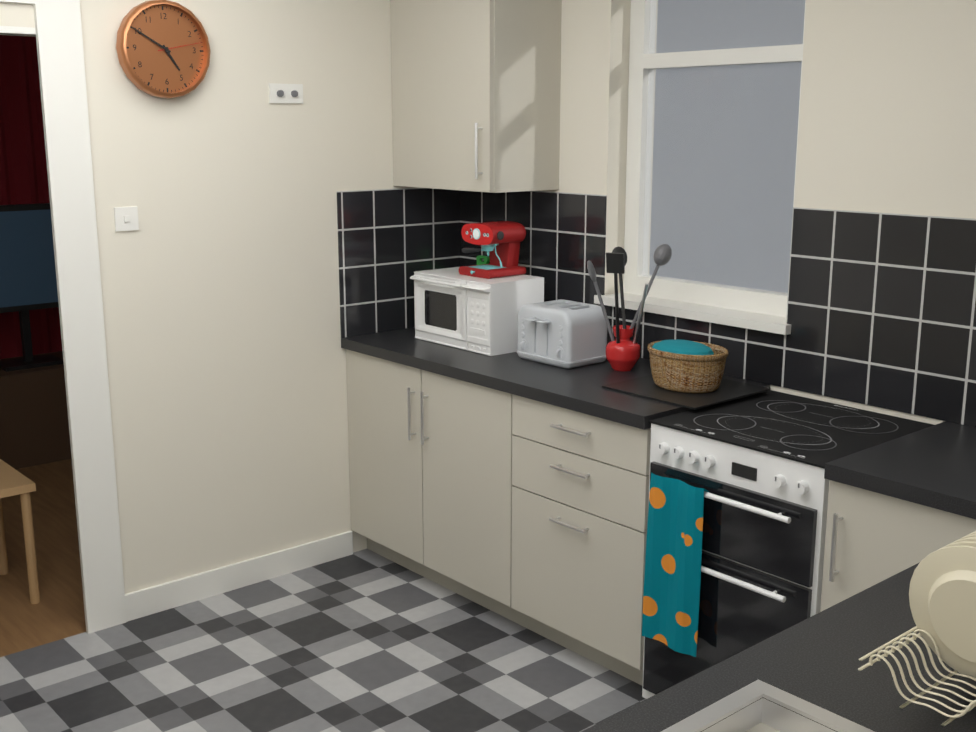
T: 4:50
